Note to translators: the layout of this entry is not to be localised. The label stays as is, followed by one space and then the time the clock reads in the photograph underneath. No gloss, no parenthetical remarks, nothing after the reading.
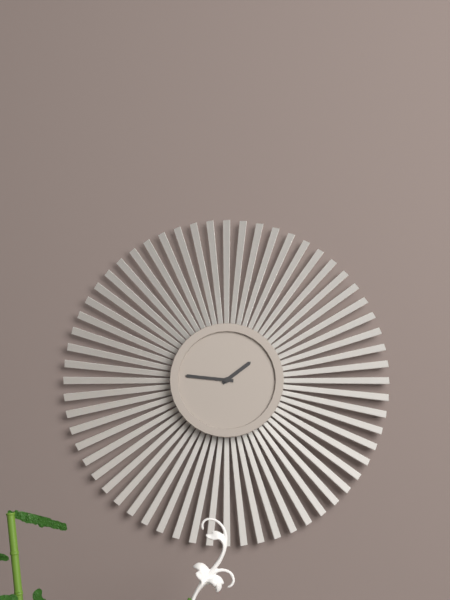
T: 1:46
